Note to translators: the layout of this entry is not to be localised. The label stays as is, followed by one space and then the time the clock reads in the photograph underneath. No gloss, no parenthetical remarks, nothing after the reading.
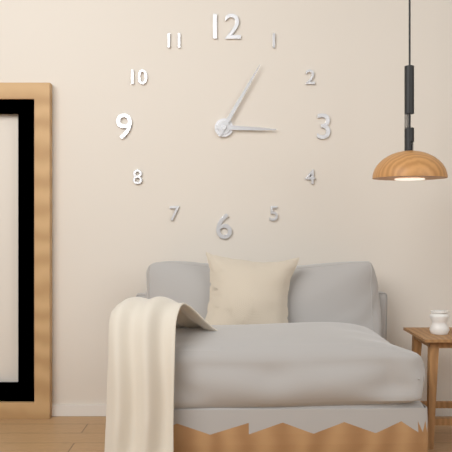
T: 3:05
